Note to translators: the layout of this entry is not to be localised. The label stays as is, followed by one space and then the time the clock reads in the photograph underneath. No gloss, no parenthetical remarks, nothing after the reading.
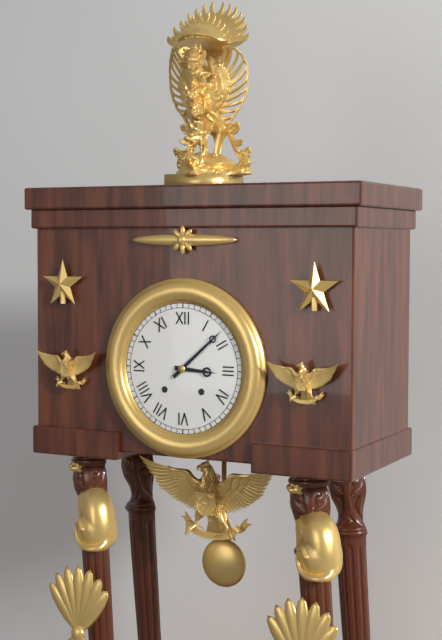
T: 3:08
